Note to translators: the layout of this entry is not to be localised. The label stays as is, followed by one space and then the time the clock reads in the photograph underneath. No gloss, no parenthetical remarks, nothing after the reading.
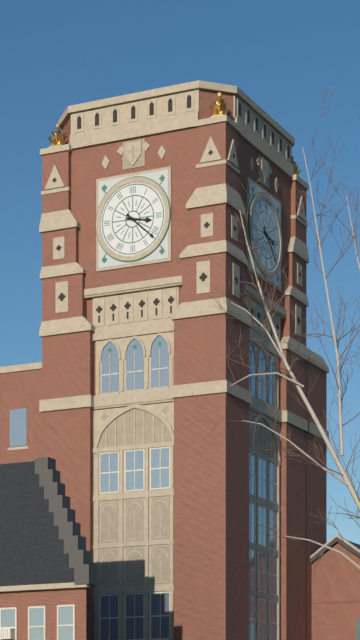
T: 3:22
